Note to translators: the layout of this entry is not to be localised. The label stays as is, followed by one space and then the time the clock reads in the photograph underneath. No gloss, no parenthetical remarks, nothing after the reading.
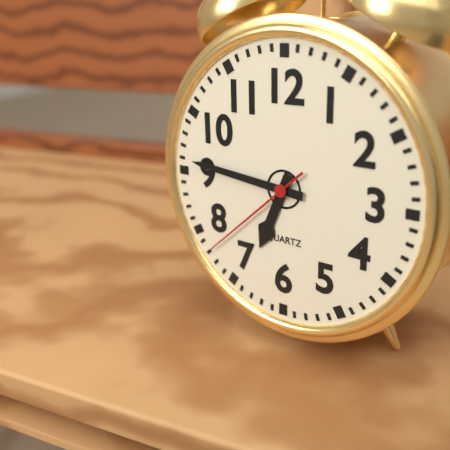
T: 6:46:38
